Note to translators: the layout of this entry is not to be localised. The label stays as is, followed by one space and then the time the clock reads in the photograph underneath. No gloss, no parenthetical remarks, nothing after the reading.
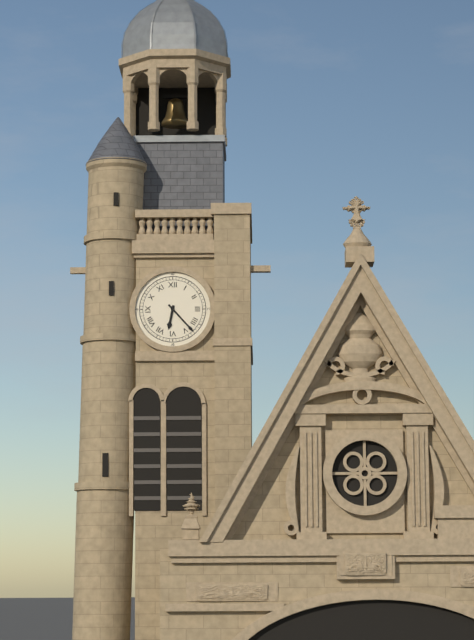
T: 6:23
